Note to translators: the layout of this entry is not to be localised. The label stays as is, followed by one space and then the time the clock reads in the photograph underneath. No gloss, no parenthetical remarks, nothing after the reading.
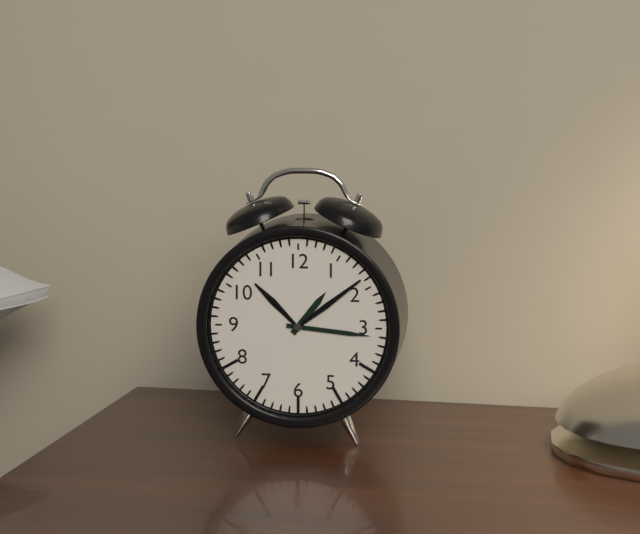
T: 1:16
